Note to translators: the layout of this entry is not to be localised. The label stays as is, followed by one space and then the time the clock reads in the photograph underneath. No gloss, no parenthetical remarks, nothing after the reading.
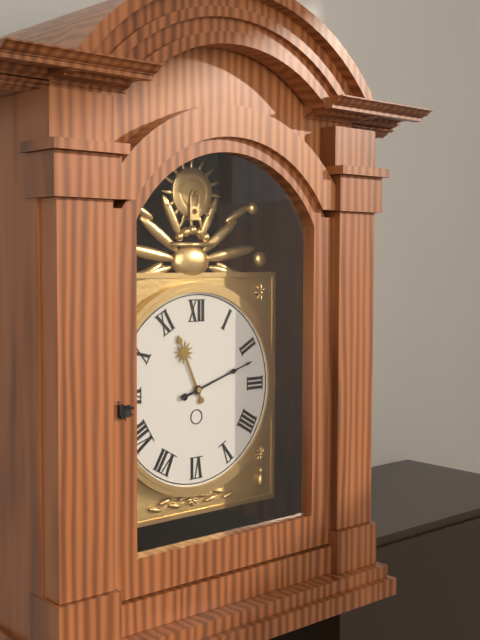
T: 11:12
